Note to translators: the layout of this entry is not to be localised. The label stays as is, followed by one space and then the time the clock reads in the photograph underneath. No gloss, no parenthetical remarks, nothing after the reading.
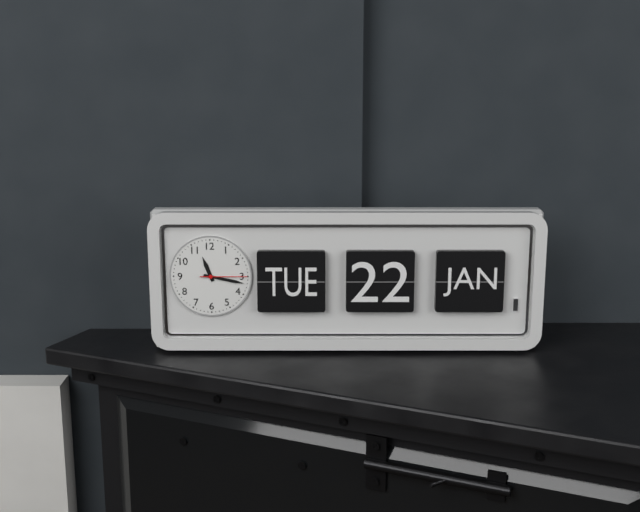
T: 11:17
